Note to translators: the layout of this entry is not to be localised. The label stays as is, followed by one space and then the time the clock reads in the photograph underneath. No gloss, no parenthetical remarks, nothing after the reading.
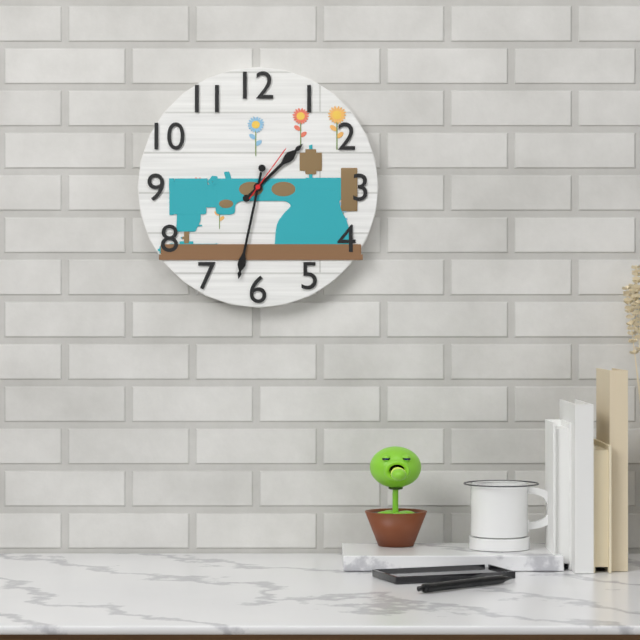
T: 1:32:06
